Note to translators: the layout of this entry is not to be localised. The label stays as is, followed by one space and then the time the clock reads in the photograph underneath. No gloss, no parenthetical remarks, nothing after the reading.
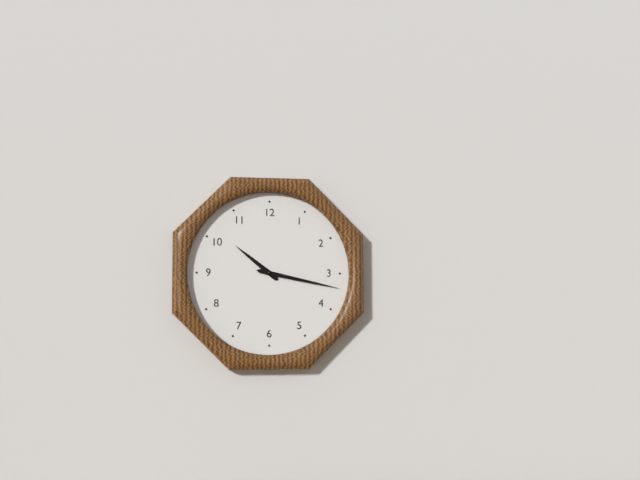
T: 10:17
